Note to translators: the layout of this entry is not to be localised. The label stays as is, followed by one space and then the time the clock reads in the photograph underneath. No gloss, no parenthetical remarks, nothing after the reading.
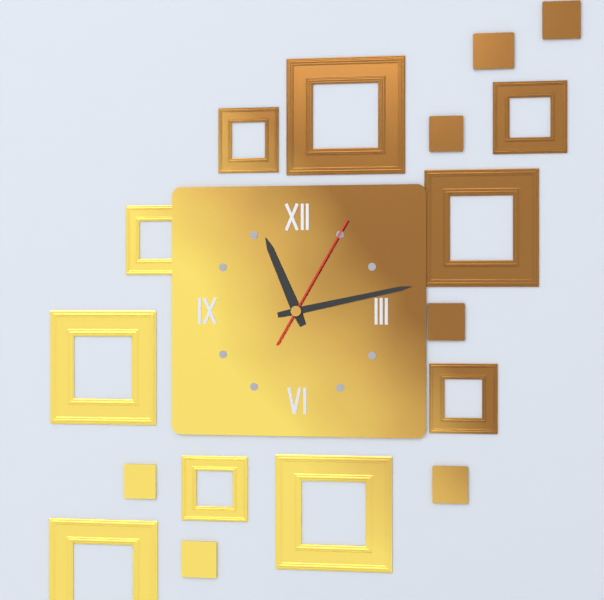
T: 11:13:05
